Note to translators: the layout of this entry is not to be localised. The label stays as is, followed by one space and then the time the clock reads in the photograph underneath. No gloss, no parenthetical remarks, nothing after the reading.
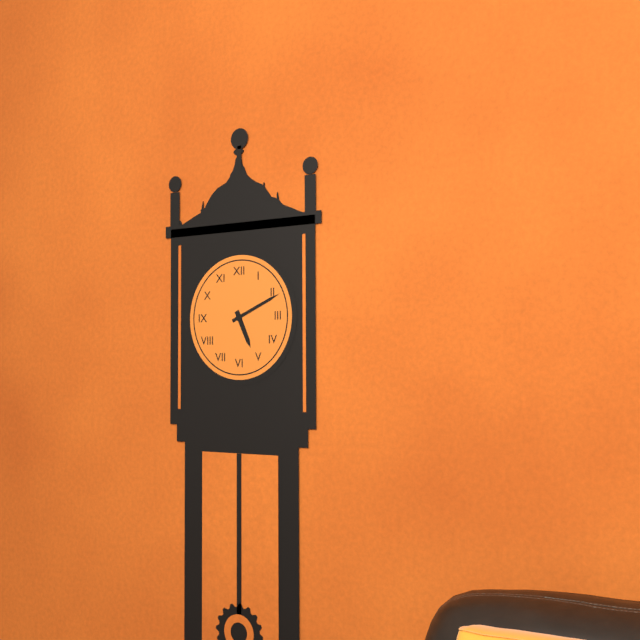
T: 5:11
